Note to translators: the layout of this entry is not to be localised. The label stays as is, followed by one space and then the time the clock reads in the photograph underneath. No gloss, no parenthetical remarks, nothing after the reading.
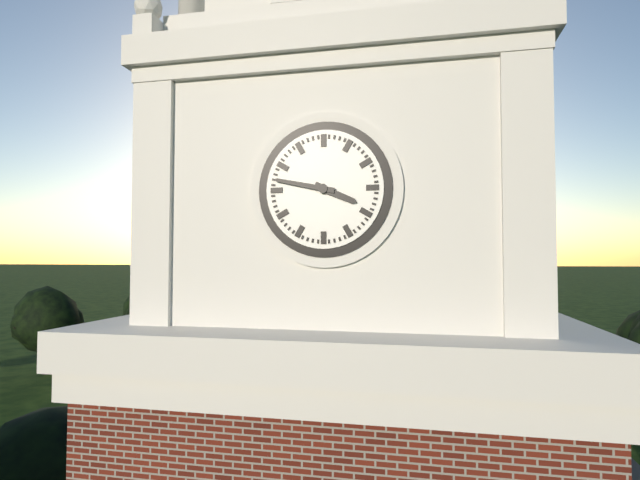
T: 3:47
